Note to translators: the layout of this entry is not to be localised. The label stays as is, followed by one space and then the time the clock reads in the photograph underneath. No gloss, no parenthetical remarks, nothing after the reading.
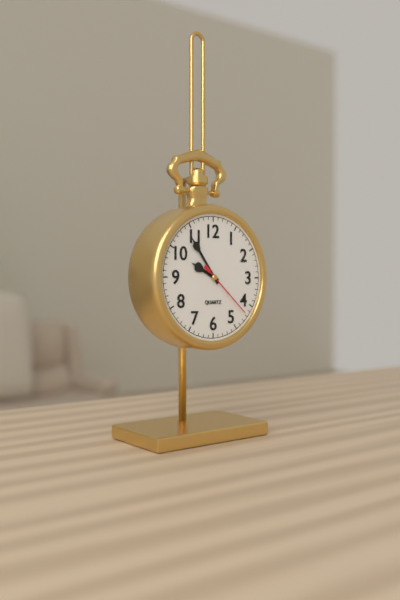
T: 9:54:22
